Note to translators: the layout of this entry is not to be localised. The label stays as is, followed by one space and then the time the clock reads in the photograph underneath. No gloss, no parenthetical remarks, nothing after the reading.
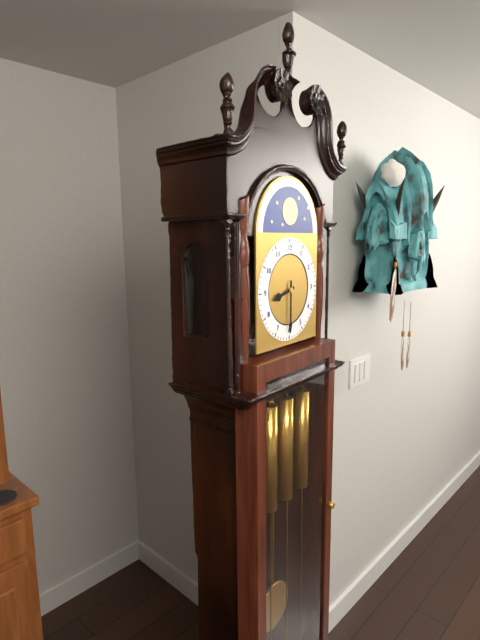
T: 8:30
